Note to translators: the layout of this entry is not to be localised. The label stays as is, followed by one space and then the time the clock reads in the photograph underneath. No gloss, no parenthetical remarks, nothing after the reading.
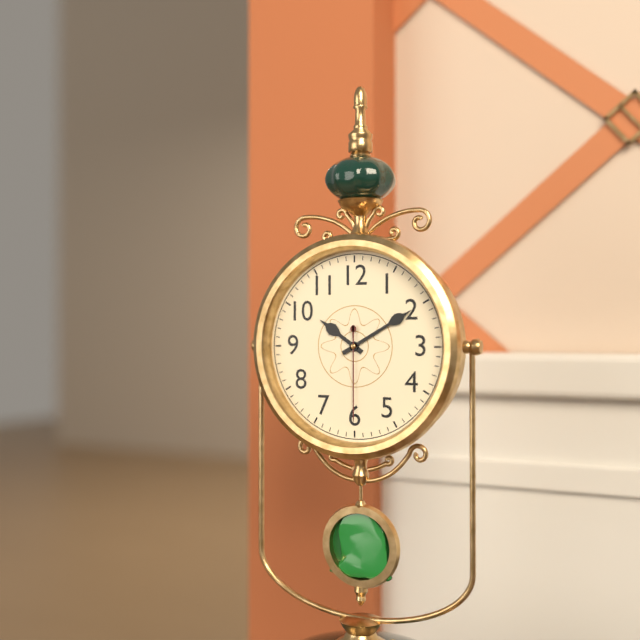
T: 10:10:30
